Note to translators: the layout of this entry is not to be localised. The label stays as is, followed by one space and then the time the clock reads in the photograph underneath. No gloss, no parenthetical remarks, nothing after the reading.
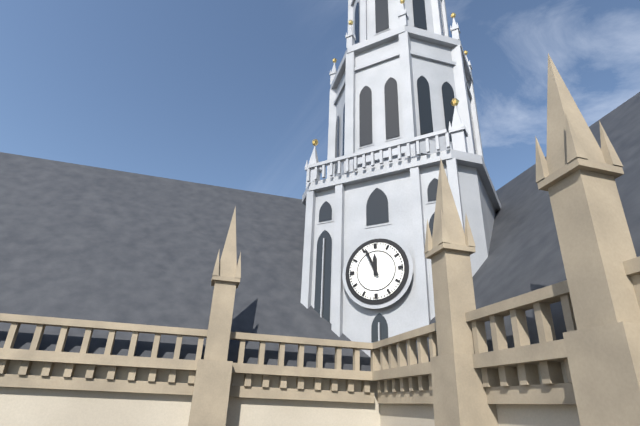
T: 11:56
